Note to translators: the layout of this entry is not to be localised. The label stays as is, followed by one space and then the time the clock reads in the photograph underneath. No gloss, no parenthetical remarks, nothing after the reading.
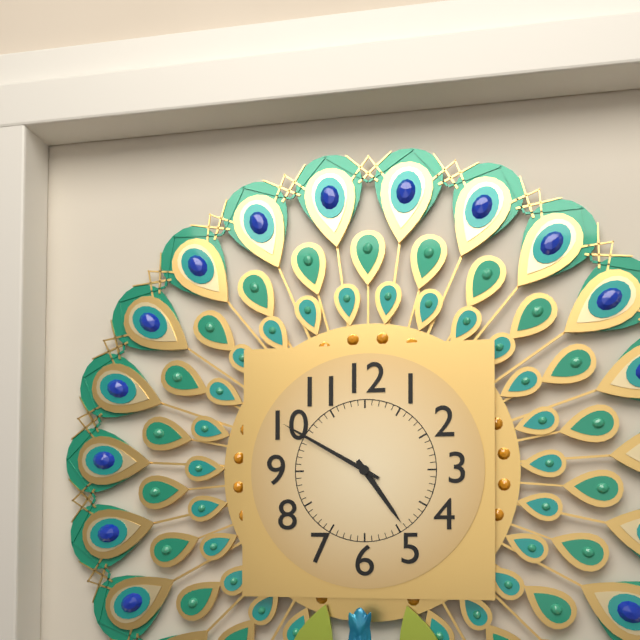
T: 4:50
